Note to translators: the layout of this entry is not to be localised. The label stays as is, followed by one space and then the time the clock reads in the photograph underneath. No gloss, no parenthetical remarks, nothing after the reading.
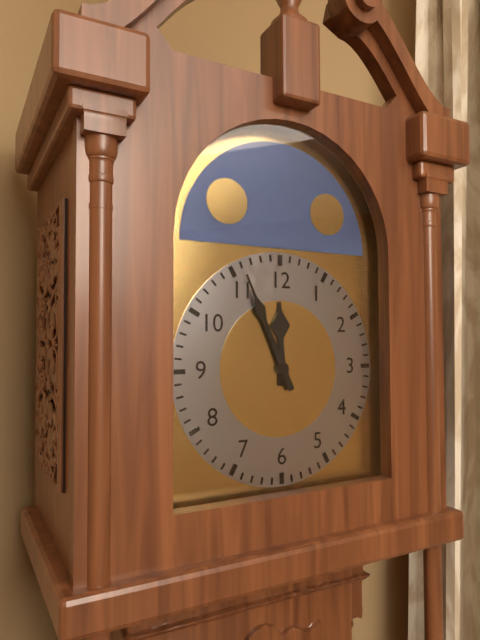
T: 11:56
